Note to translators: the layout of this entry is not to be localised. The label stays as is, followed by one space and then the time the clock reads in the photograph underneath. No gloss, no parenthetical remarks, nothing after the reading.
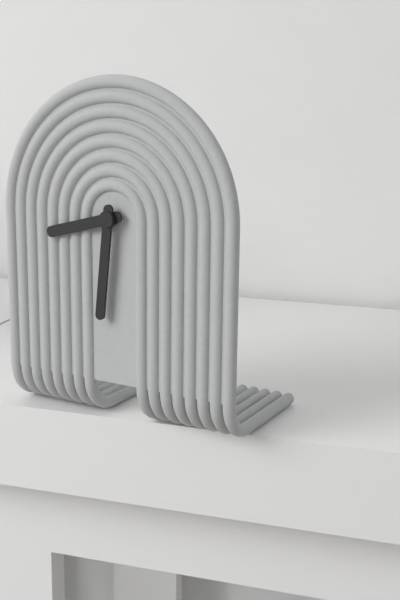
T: 8:31
